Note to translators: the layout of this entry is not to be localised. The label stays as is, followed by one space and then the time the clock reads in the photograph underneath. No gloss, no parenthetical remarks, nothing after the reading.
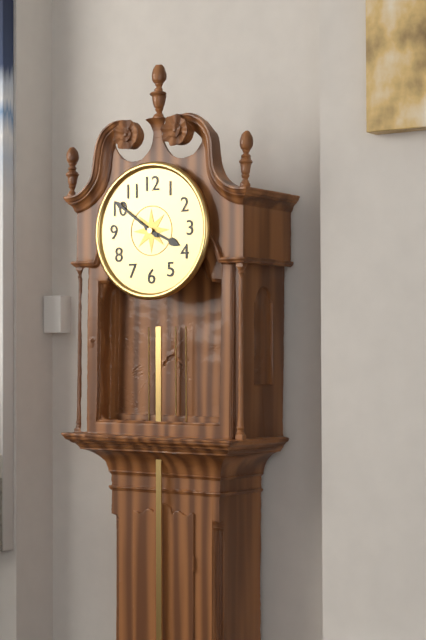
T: 3:51
